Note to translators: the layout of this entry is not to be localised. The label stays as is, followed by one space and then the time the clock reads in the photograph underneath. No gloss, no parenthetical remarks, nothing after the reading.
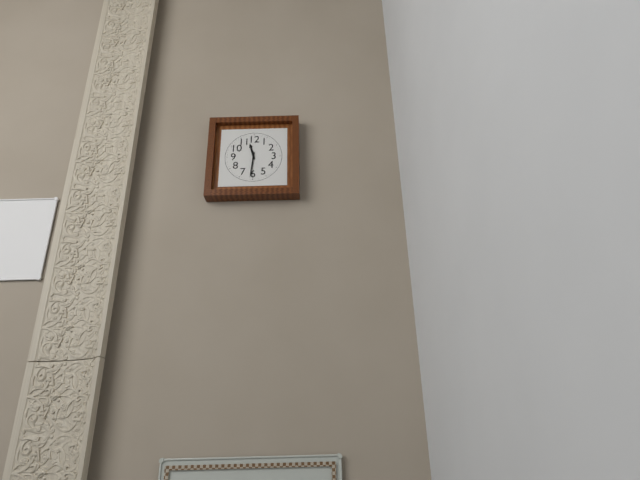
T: 11:31
